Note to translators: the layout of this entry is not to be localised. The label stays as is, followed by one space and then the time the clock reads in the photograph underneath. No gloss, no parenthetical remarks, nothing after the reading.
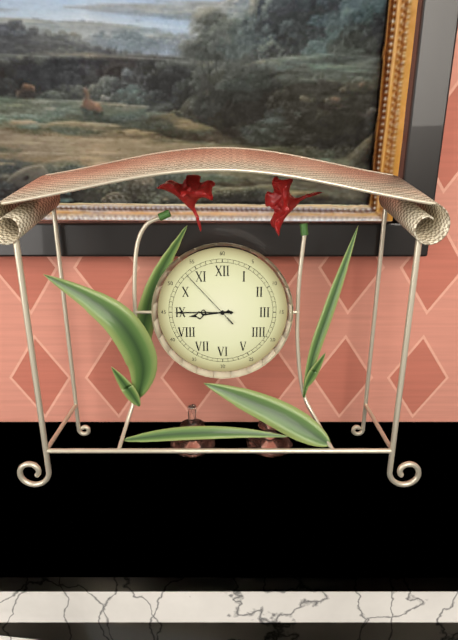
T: 8:45:53
